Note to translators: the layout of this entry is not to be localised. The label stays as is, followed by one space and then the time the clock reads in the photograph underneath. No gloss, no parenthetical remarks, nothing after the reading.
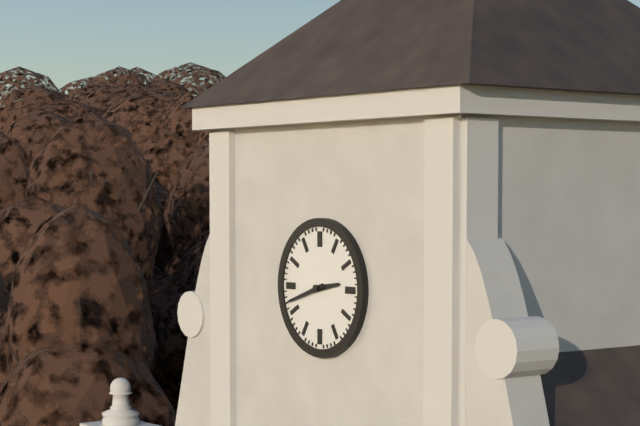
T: 2:42
